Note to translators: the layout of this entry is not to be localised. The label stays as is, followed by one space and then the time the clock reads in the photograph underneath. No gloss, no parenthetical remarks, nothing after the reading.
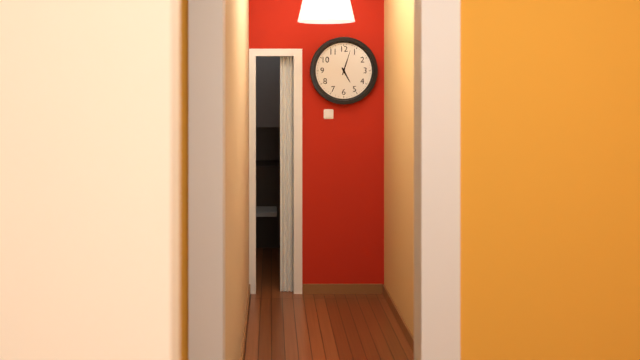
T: 5:03
